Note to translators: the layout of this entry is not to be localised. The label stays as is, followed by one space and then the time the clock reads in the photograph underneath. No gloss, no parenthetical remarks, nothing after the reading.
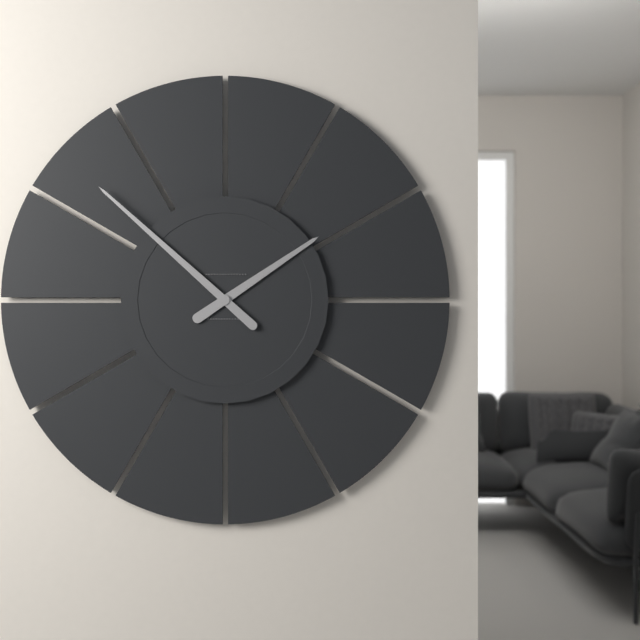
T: 1:52
